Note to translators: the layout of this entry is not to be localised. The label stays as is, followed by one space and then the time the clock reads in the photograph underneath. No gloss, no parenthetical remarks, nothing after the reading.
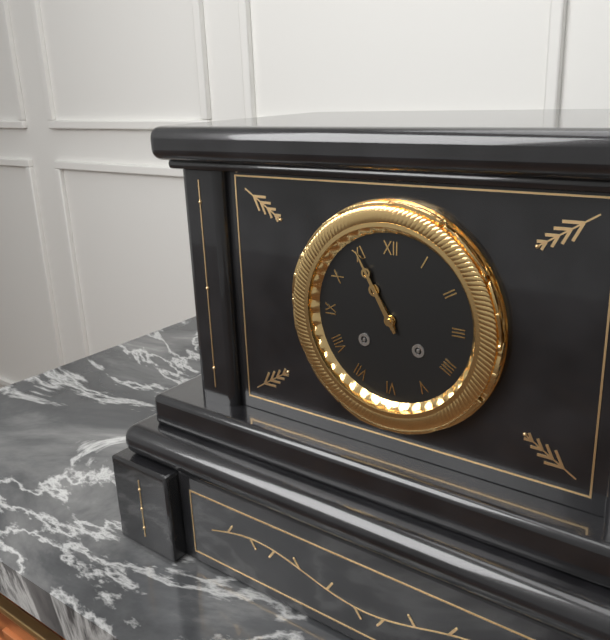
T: 10:55
